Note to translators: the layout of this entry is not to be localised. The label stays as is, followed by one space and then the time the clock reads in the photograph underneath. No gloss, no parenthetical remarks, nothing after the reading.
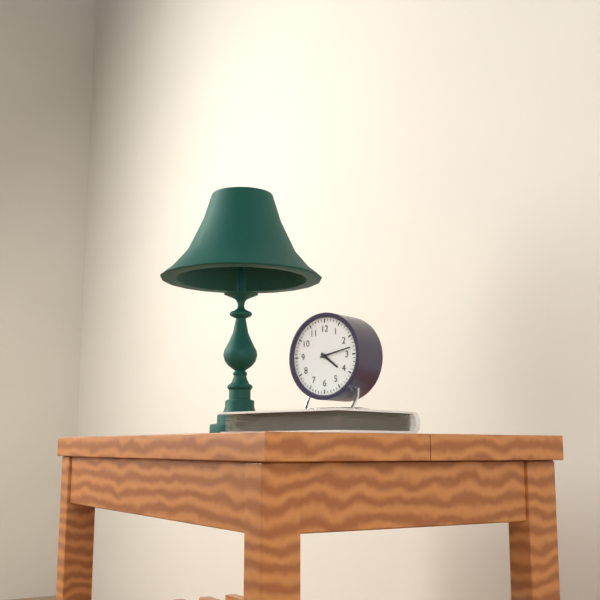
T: 4:13
